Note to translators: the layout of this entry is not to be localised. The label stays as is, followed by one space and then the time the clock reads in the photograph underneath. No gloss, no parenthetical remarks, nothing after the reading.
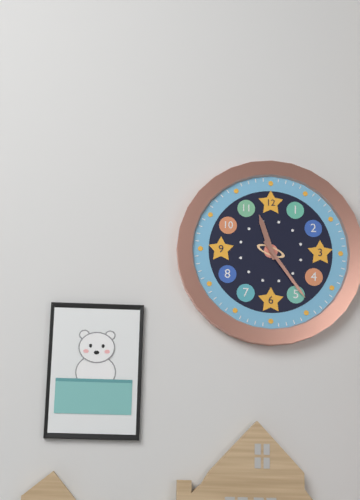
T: 11:24
